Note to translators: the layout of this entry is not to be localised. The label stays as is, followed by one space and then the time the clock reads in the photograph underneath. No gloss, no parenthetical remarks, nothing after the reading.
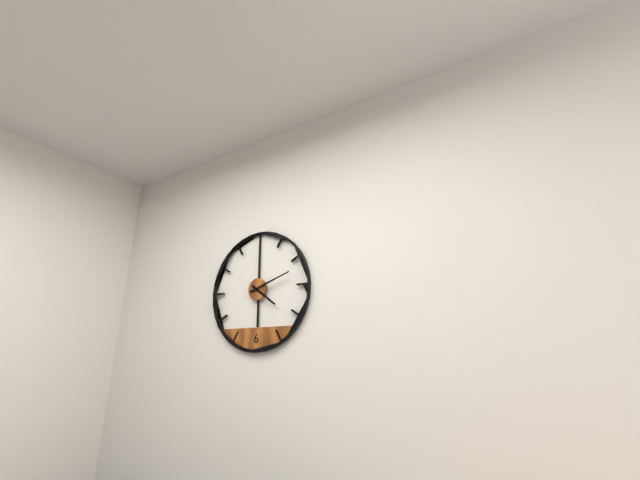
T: 4:12
